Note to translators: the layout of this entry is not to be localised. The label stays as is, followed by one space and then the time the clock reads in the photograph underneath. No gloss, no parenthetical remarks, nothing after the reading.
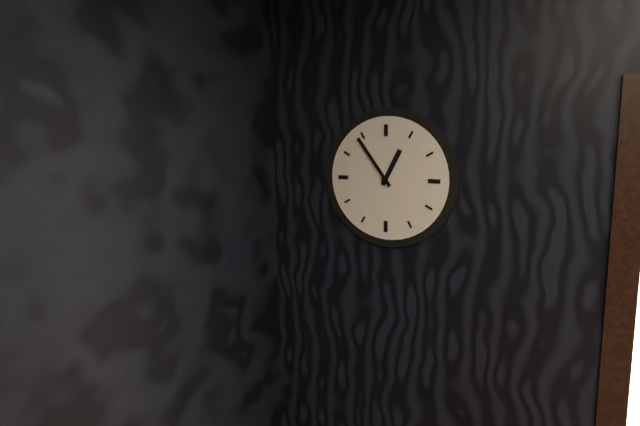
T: 12:54
